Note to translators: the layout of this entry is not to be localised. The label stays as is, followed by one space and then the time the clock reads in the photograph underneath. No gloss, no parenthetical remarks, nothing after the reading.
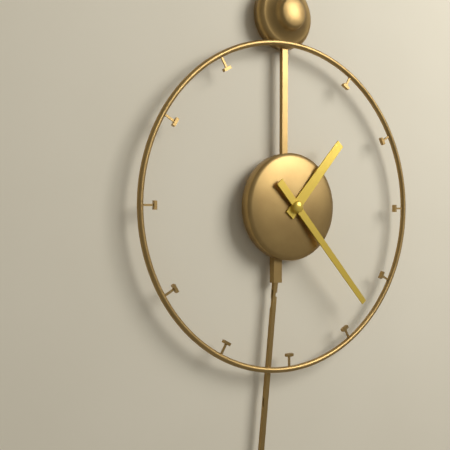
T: 1:23
